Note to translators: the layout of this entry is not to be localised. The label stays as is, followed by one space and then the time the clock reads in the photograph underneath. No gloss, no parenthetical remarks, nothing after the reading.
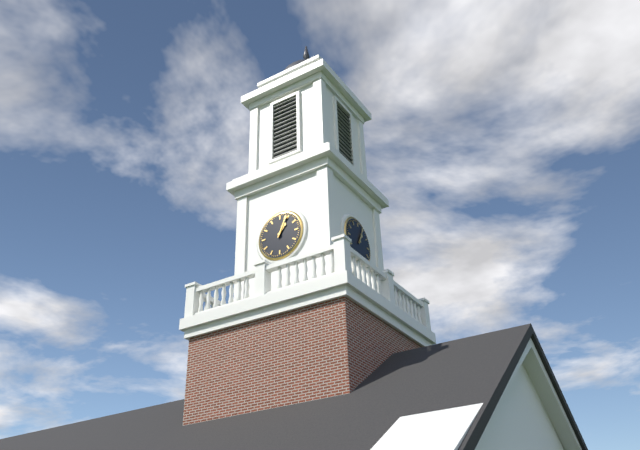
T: 1:04
